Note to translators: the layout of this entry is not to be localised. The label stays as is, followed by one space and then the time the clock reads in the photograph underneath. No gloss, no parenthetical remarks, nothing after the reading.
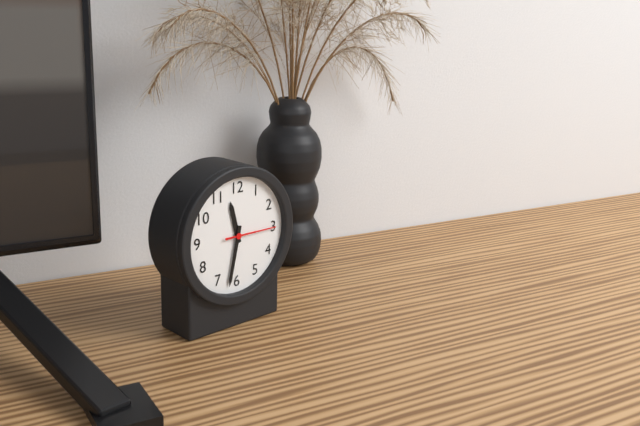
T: 11:32
